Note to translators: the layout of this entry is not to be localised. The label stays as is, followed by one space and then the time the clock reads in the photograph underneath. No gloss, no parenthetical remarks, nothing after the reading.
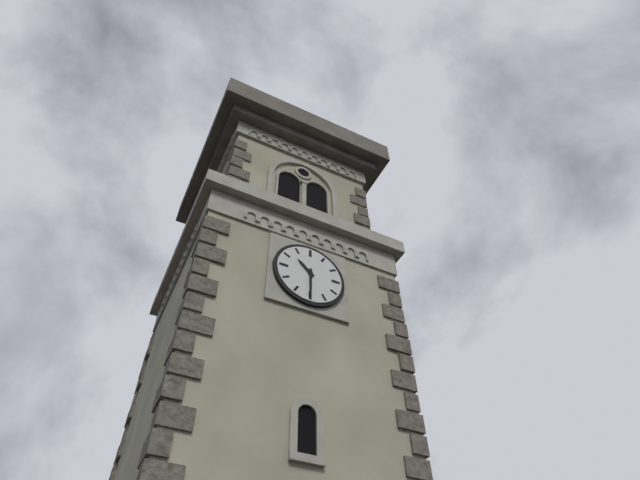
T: 10:30
